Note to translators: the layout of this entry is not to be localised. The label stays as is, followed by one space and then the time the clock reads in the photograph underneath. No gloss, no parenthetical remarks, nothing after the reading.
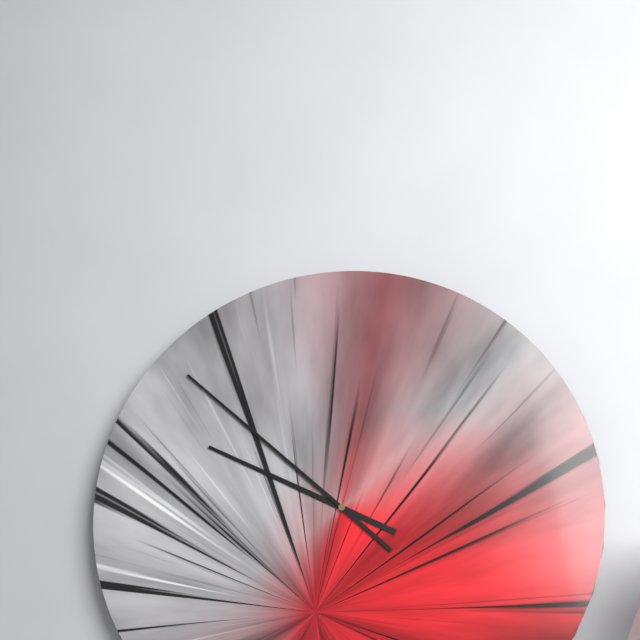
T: 9:52
